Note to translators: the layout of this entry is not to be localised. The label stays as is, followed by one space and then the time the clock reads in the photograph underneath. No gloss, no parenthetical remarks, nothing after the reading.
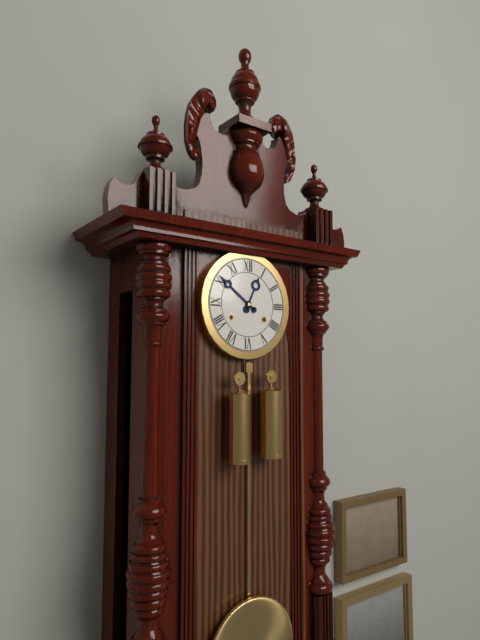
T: 12:51
